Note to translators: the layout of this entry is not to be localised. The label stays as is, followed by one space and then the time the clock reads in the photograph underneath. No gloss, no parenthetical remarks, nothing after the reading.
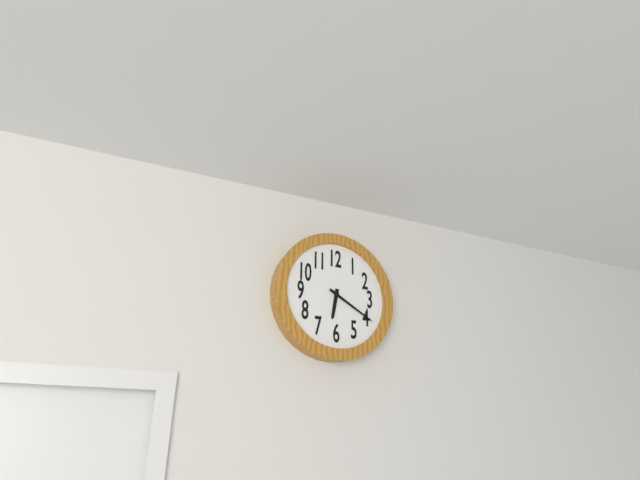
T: 6:20
